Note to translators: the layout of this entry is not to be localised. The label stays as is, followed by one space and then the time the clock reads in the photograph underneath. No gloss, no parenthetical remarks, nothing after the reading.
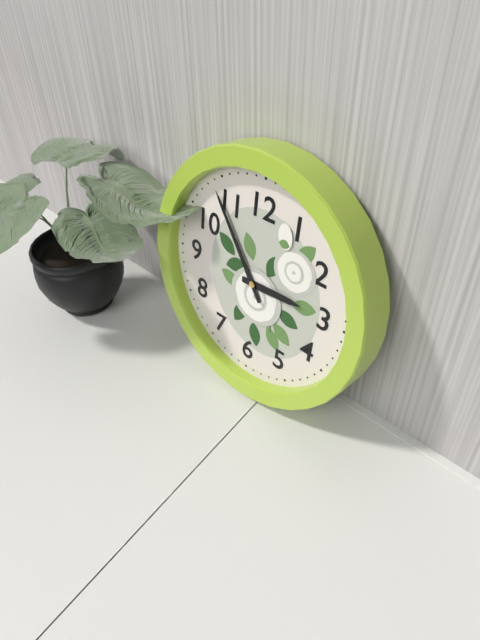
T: 2:54
